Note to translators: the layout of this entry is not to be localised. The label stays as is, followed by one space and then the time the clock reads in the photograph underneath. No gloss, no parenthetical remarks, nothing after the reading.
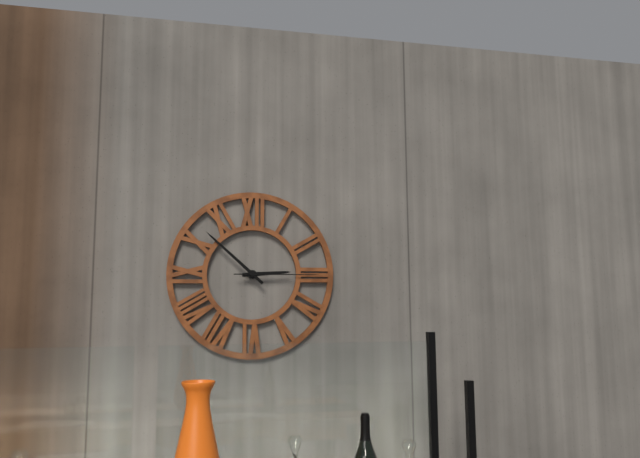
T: 2:52:15
